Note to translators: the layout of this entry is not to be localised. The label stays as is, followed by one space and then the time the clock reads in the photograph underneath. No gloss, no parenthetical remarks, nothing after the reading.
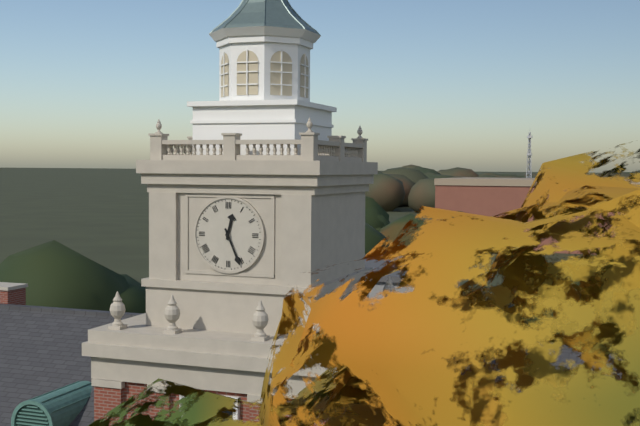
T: 12:26
